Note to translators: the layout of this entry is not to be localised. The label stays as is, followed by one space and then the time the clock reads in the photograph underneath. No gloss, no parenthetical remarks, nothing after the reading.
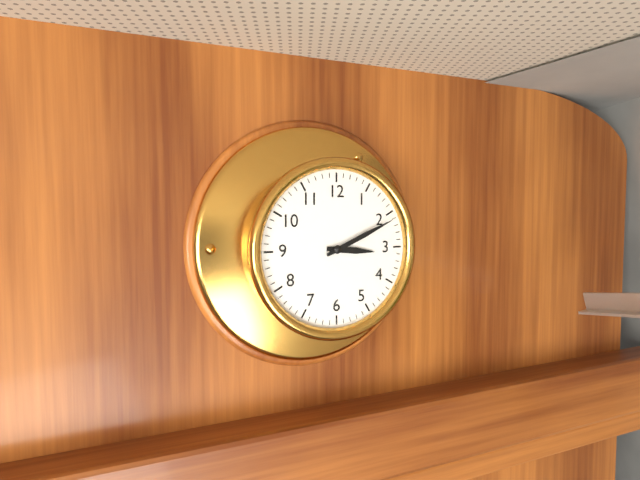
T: 3:11
